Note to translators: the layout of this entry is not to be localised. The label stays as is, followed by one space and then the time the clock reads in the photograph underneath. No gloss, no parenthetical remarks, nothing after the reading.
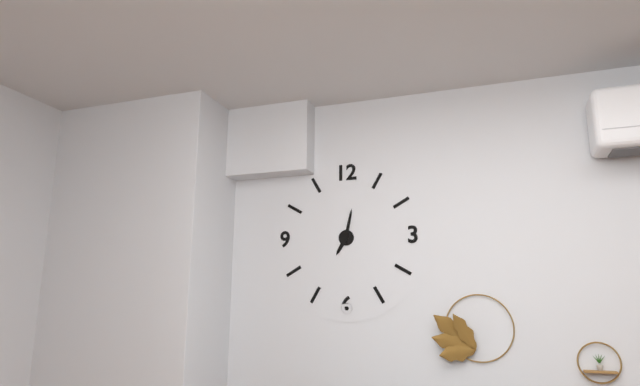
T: 7:02
